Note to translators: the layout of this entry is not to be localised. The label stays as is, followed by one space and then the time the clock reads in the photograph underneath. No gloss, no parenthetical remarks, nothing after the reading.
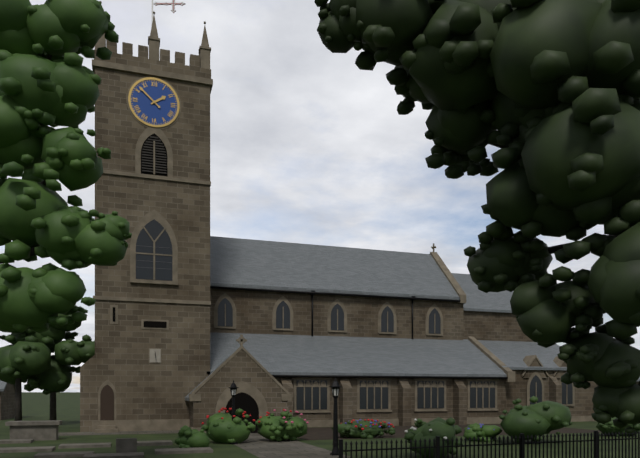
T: 1:52
